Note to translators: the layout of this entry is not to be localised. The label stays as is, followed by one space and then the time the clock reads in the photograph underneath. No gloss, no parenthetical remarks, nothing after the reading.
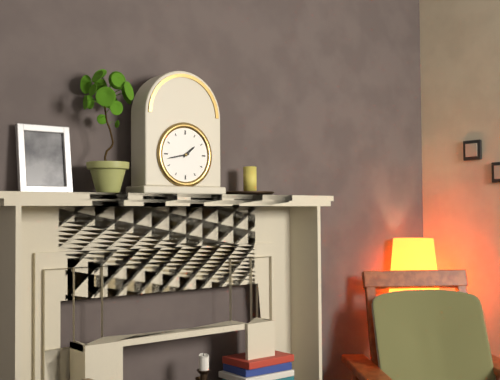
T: 1:43
